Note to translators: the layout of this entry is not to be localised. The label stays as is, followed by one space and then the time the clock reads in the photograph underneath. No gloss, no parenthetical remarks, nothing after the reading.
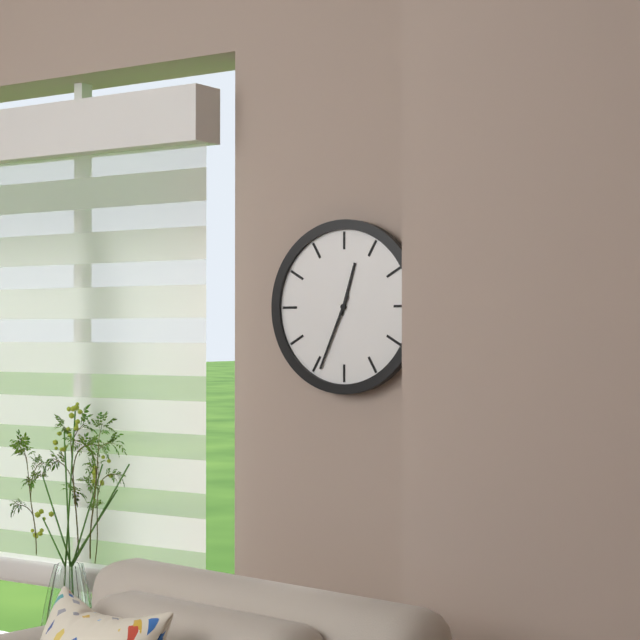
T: 12:34
